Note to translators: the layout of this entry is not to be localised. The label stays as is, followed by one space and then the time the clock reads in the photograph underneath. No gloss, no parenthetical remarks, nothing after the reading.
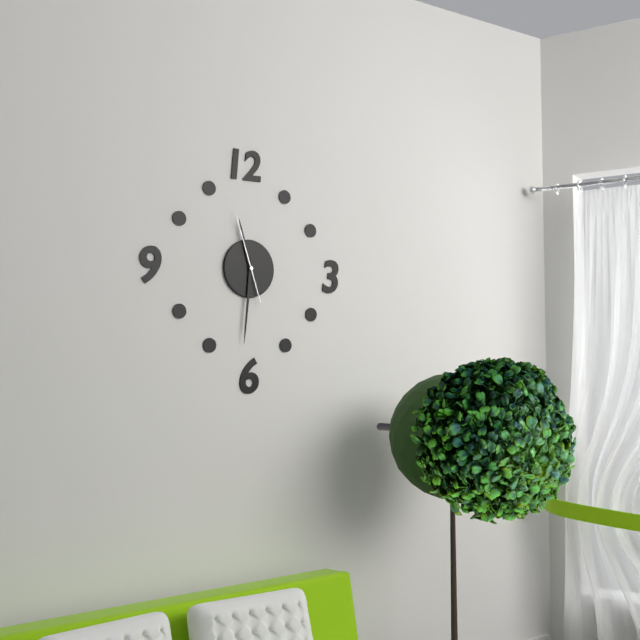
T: 11:31:57
